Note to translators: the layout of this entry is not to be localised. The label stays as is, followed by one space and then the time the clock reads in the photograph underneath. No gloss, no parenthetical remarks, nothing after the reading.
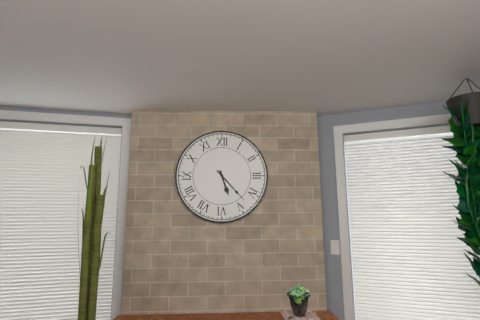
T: 5:23
